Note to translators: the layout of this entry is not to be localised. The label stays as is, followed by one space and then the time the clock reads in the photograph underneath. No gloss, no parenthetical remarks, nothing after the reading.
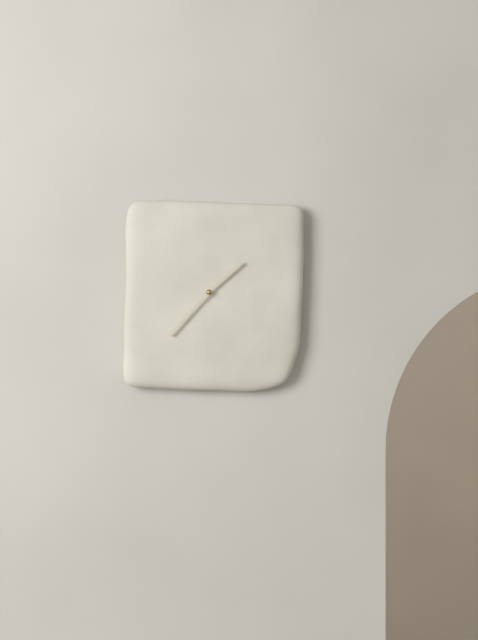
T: 1:37
